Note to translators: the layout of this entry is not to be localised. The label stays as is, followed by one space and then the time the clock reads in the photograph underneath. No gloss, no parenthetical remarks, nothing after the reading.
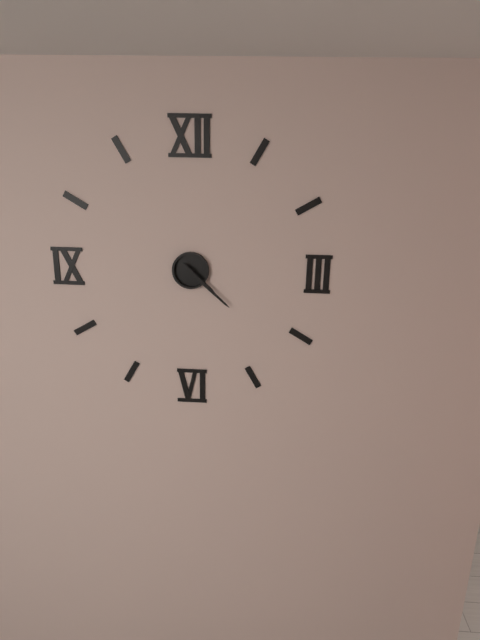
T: 4:22
